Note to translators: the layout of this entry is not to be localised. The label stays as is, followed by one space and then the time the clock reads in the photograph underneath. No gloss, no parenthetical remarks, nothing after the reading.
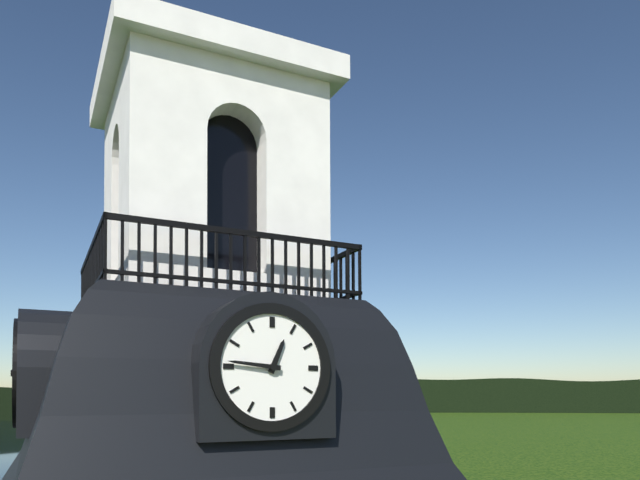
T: 12:46
